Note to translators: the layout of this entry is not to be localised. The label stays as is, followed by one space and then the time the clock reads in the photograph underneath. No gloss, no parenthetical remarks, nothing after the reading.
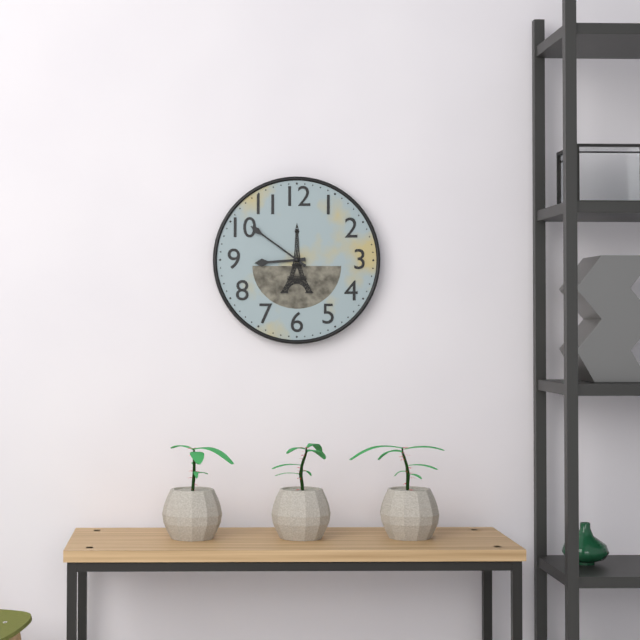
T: 8:51
